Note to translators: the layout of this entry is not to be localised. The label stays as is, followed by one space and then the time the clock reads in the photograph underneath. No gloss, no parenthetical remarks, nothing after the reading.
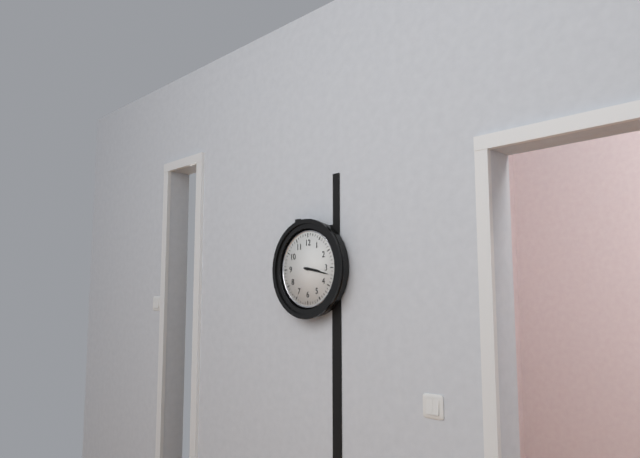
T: 3:17
